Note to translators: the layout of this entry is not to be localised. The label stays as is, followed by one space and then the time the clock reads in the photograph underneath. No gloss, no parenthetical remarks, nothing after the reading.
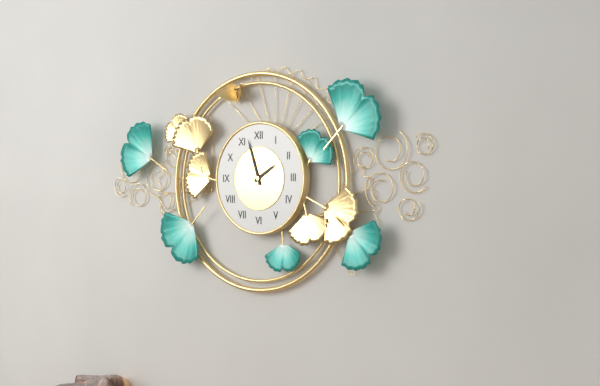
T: 1:57
